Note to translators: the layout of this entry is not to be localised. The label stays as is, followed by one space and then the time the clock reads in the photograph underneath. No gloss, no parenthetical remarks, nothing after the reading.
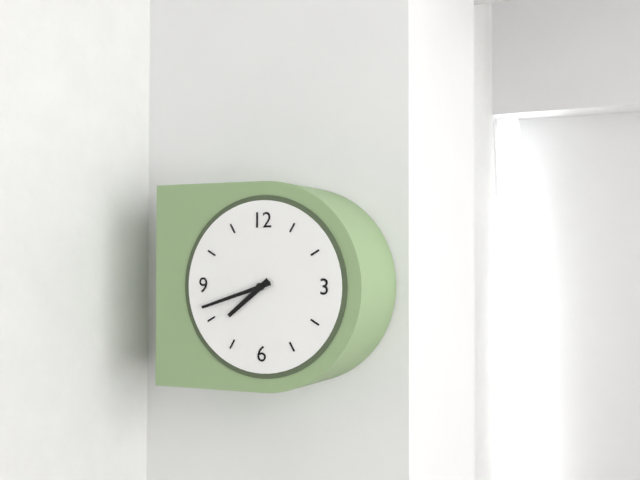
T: 7:42
